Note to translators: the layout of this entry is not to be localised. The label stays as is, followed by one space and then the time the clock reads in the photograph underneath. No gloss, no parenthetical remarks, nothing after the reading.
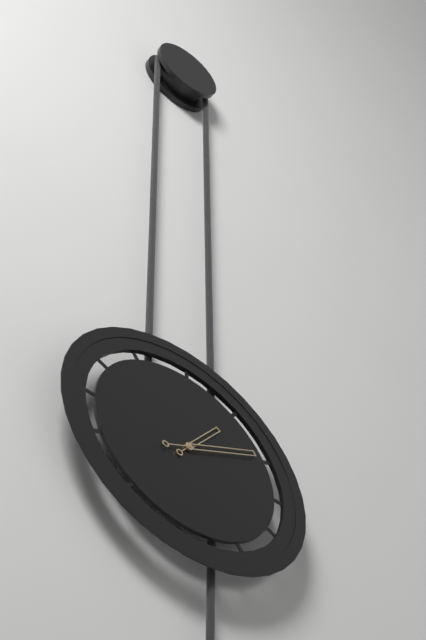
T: 1:10
